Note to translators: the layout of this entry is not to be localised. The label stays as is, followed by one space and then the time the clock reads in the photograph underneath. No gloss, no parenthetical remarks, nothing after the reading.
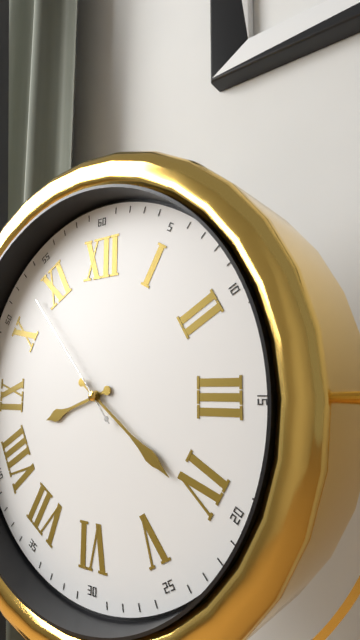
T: 8:21:53
